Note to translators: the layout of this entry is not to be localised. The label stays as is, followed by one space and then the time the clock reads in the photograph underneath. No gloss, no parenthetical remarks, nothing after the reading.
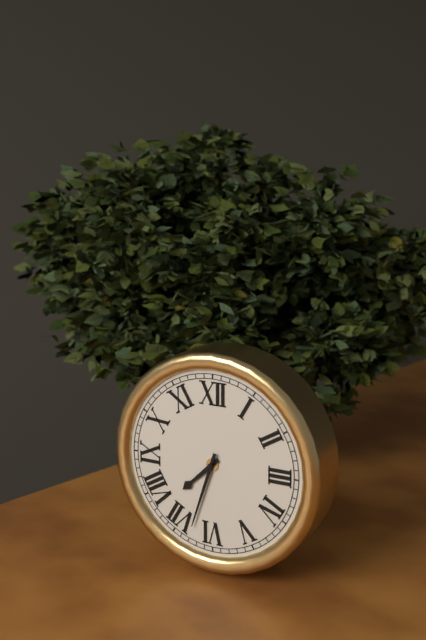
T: 7:33
